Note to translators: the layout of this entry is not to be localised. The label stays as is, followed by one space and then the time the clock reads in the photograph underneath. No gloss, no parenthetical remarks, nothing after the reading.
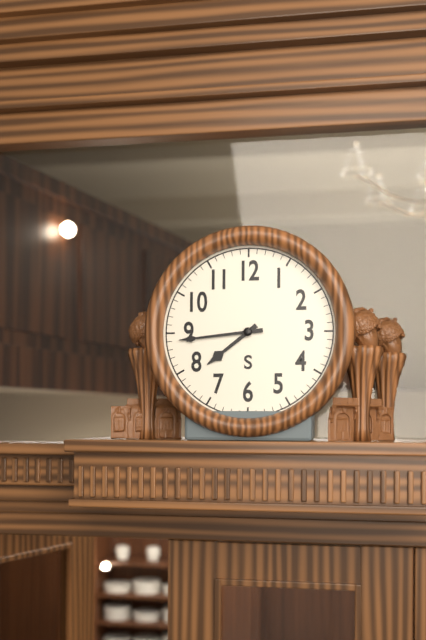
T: 7:44
